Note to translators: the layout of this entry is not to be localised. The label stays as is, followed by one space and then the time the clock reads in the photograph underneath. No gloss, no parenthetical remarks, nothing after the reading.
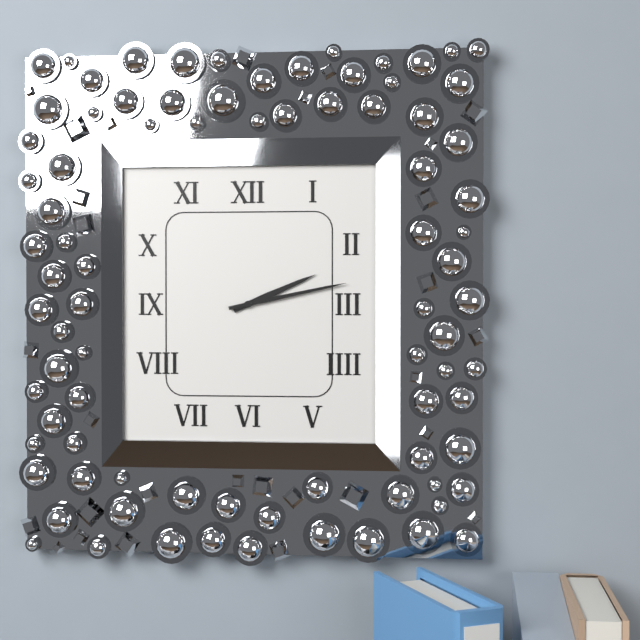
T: 2:13
